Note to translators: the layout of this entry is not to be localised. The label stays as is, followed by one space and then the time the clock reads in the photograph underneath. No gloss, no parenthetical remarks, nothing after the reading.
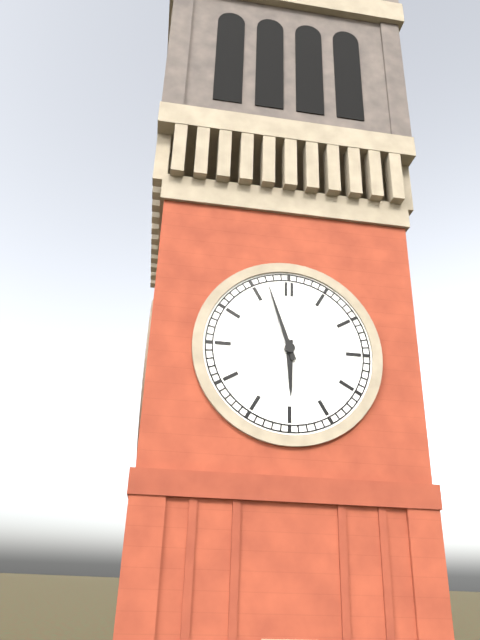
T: 5:57
